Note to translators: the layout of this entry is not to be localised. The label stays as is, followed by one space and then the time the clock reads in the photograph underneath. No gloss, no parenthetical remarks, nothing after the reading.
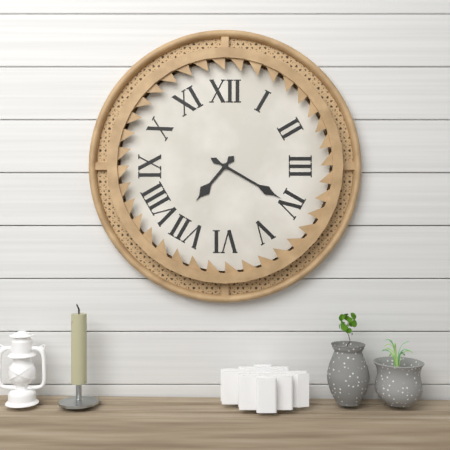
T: 7:20
